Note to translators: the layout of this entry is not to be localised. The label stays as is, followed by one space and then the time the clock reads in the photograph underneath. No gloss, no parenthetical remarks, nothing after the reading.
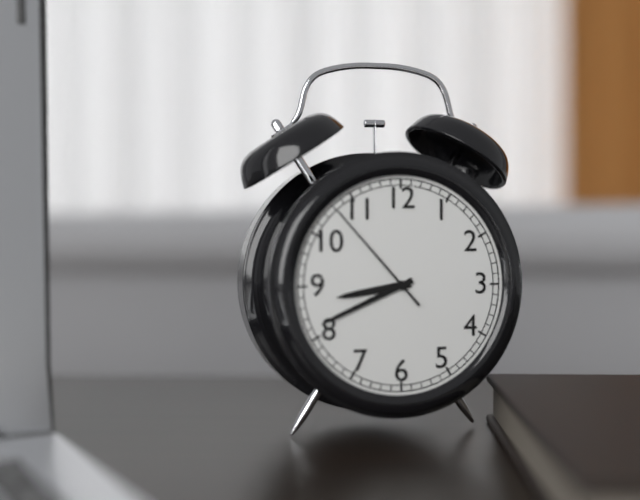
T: 8:41:53
